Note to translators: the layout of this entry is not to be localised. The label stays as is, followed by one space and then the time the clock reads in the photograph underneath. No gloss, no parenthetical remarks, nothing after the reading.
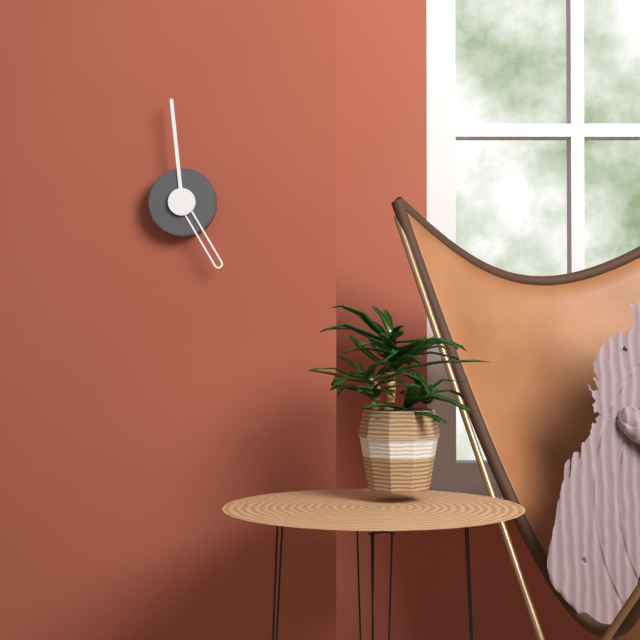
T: 4:59
